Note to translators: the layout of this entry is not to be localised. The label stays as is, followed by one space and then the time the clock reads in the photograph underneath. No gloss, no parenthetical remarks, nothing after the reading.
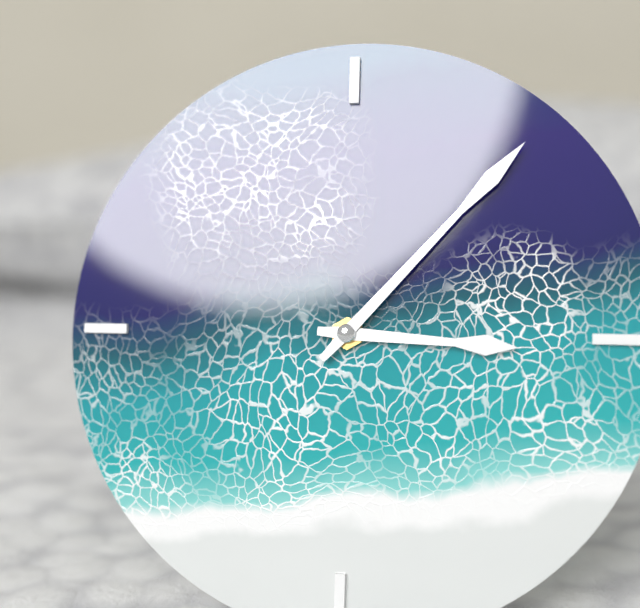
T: 3:07
